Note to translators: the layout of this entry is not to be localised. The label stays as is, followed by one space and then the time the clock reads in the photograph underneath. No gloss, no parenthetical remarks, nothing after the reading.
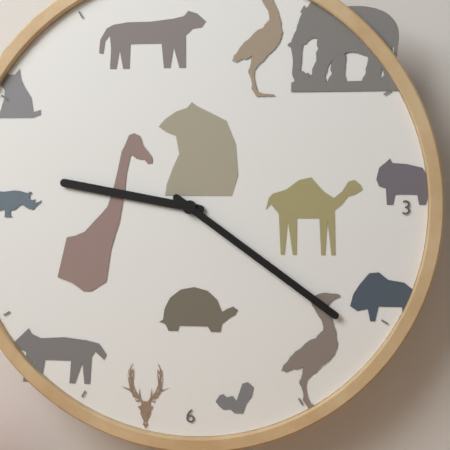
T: 9:21
